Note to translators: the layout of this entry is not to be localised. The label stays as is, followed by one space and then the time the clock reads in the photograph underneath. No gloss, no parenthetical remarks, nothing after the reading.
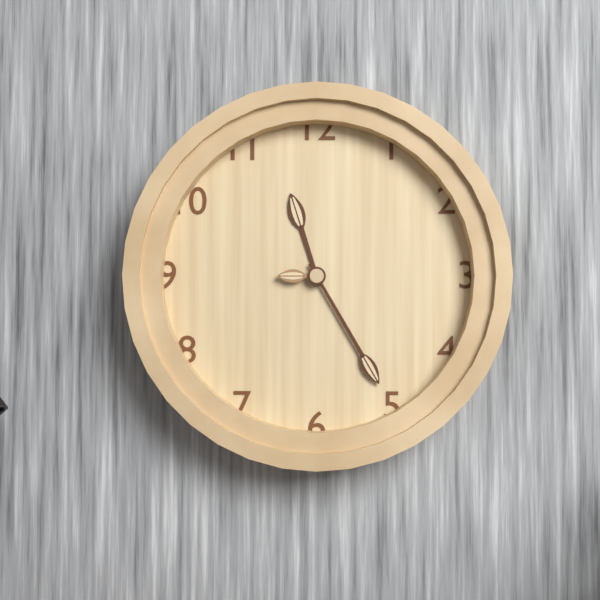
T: 11:25:45
